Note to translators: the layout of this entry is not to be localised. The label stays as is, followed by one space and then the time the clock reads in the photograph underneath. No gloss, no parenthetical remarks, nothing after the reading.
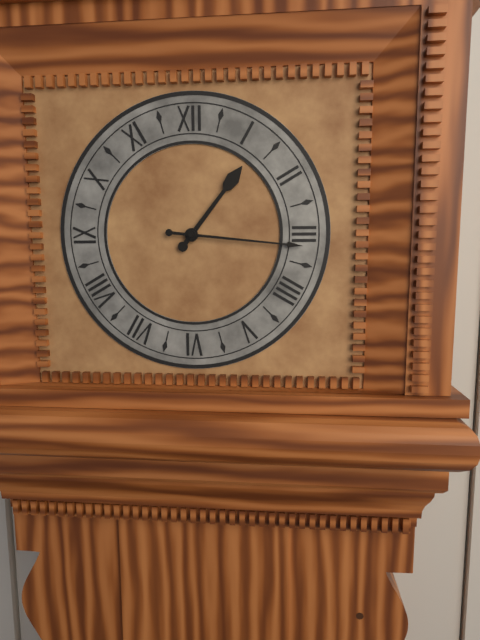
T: 1:16
